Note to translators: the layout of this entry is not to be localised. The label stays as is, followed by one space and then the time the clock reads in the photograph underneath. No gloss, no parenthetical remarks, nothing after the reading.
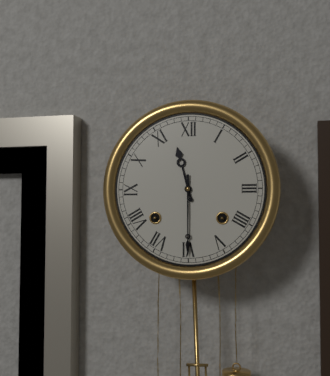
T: 11:30
